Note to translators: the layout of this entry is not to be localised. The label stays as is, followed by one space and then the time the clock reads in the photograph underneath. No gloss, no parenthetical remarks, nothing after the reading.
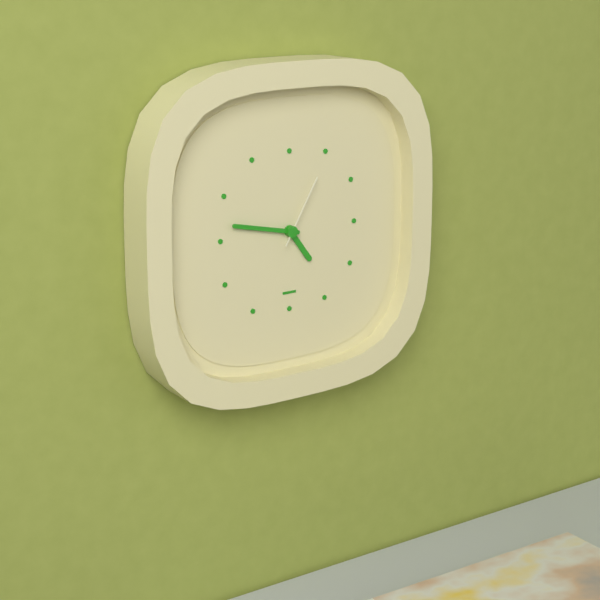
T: 4:47:05
